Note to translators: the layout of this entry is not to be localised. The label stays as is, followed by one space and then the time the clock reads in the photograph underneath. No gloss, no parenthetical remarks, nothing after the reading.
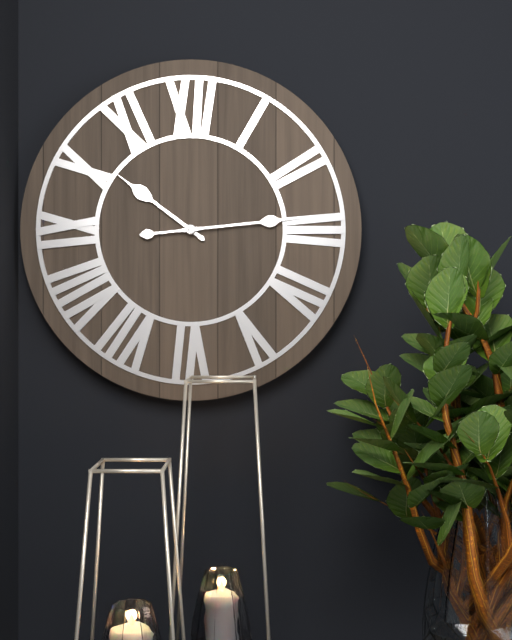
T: 10:14
